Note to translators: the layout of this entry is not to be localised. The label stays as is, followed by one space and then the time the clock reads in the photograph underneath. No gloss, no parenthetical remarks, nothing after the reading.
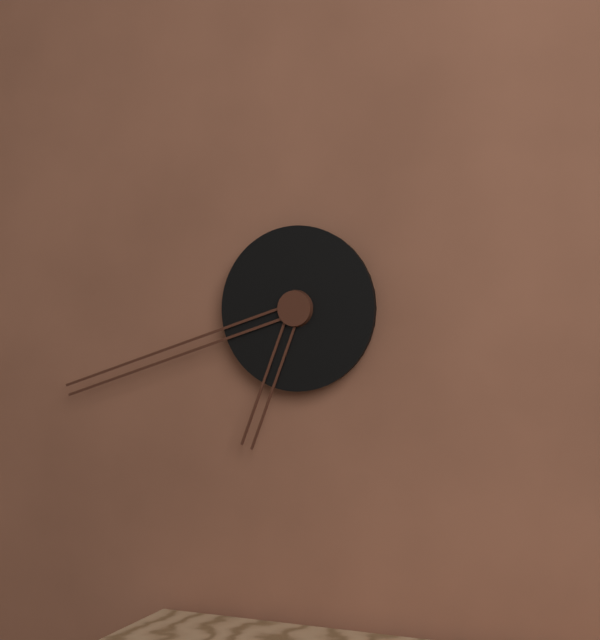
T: 6:42
